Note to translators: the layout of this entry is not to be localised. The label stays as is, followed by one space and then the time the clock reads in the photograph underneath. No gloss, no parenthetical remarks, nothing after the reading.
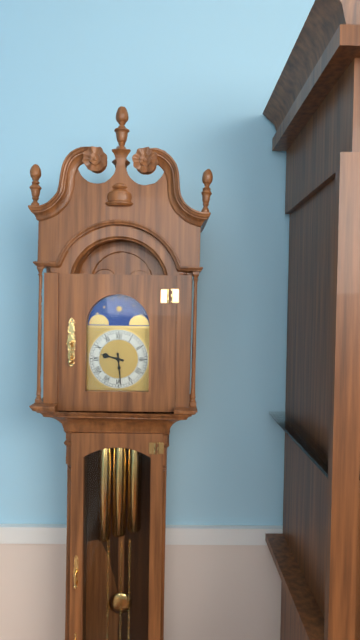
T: 9:29
